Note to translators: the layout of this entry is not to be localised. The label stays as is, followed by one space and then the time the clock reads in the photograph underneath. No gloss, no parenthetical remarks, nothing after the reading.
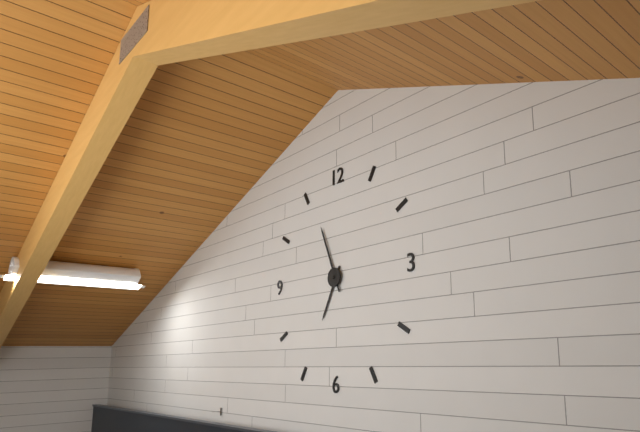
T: 6:56
